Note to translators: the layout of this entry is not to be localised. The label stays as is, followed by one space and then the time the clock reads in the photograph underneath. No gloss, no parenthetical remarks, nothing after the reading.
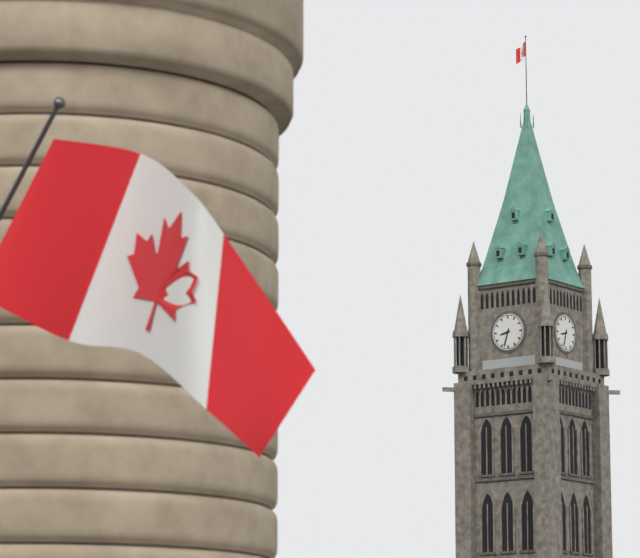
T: 8:33
